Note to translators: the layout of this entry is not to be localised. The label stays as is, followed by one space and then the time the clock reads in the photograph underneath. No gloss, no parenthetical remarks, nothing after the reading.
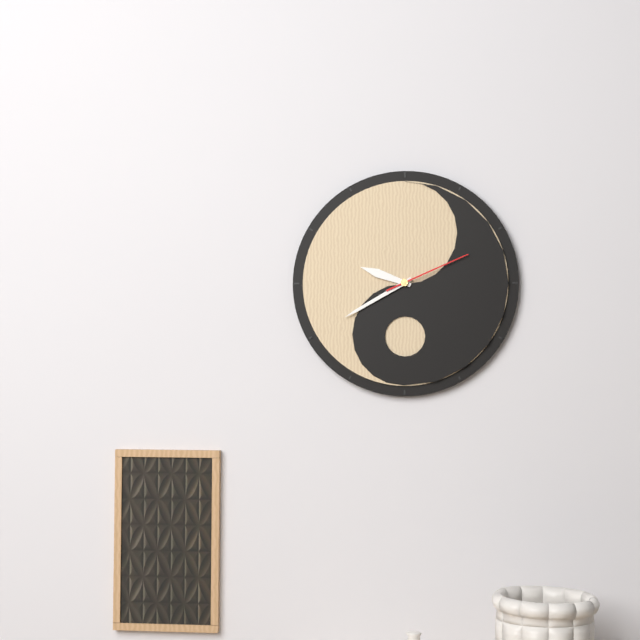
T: 9:40:11
